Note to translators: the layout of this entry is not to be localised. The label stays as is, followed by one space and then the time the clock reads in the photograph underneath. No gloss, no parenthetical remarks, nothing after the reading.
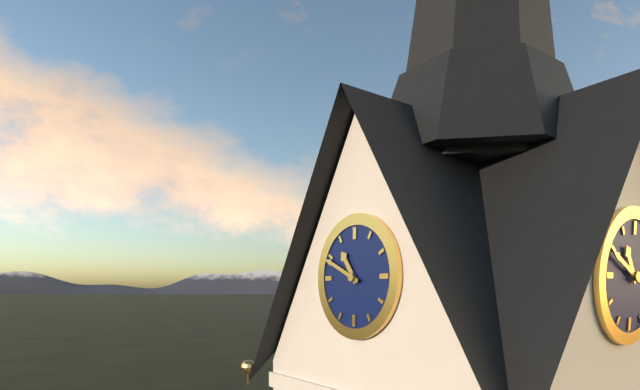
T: 10:49
